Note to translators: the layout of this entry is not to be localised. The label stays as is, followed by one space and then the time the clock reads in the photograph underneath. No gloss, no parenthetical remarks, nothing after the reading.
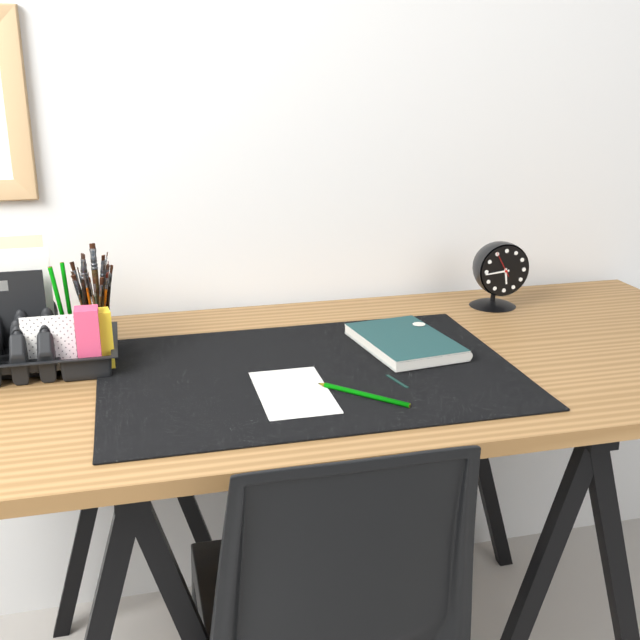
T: 5:44
